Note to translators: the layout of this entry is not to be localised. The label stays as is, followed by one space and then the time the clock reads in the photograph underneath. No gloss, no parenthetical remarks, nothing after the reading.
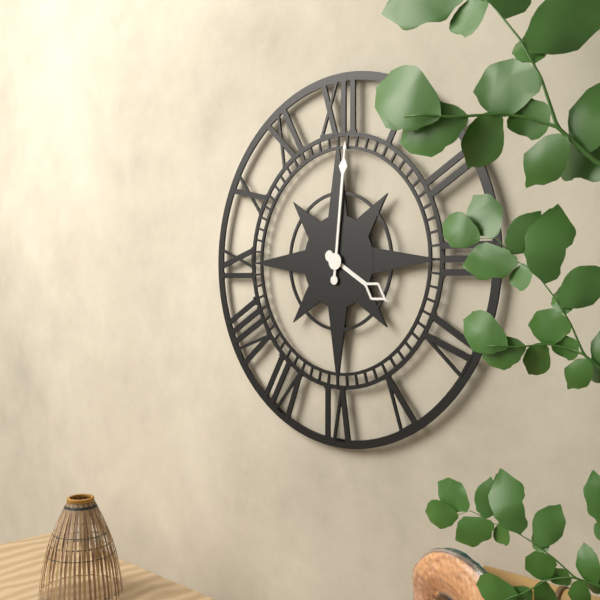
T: 4:01
